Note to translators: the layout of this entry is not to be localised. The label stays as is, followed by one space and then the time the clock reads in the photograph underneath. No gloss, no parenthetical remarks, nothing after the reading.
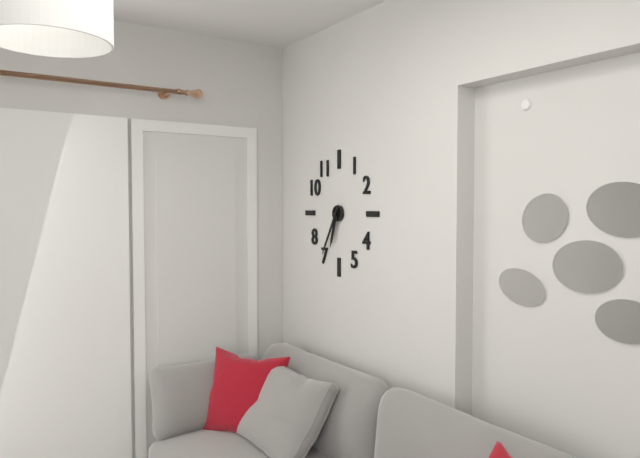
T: 6:35
